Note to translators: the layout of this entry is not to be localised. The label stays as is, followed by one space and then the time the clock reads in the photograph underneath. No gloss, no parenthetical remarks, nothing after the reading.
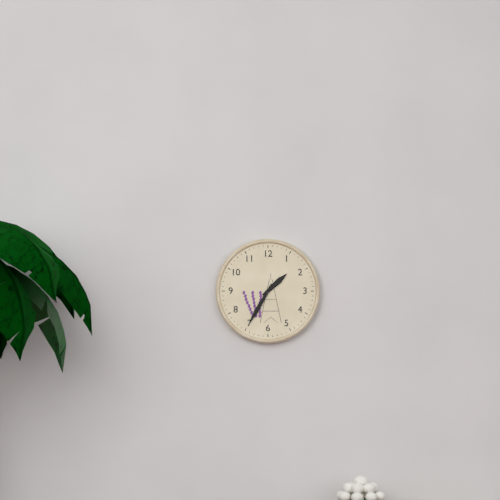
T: 1:35
